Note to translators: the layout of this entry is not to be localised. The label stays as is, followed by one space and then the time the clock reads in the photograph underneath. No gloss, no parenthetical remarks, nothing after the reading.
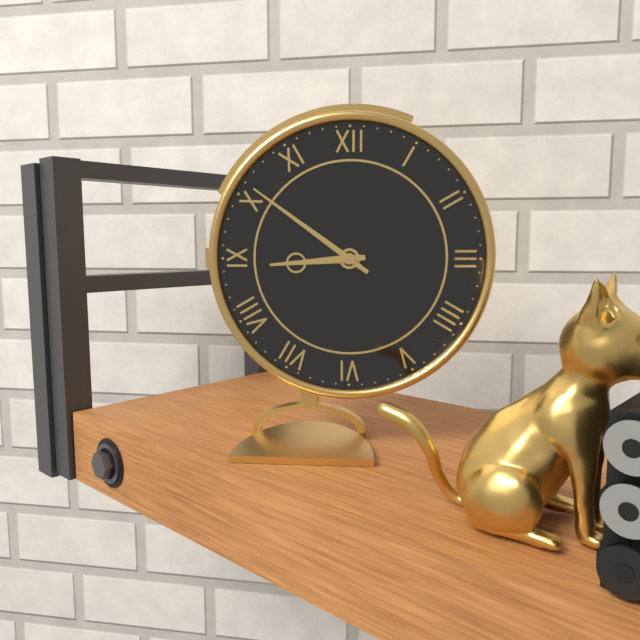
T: 8:51
